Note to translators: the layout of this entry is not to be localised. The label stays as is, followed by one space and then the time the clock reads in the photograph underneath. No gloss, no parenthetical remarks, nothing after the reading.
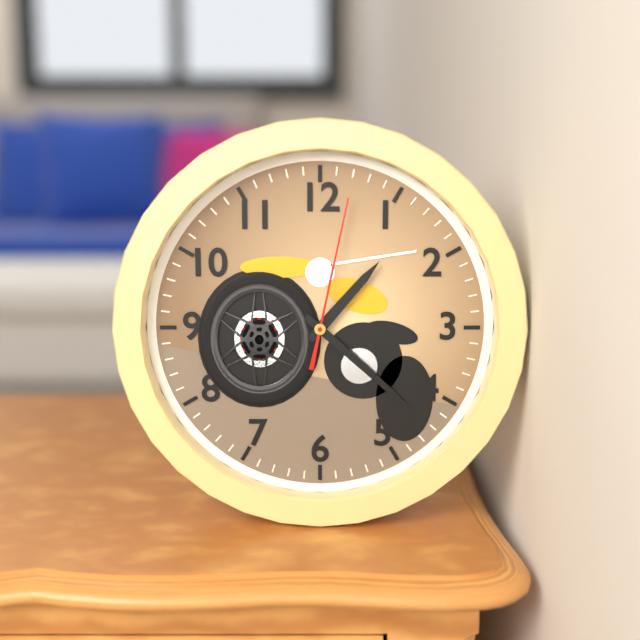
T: 1:22:02
